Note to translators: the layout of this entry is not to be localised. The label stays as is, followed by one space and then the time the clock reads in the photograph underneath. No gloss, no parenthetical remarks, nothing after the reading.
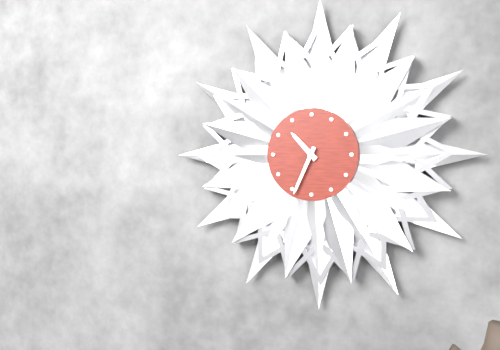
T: 10:34
